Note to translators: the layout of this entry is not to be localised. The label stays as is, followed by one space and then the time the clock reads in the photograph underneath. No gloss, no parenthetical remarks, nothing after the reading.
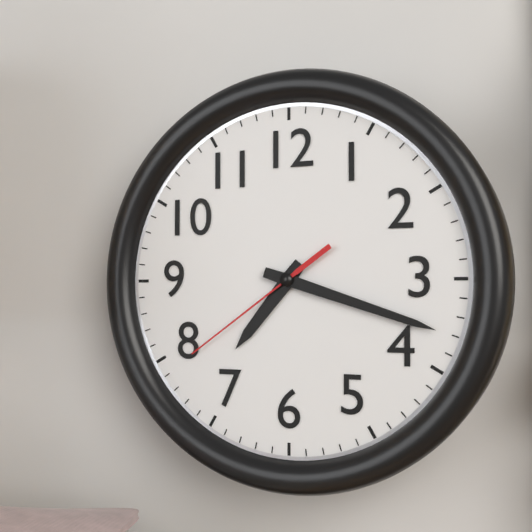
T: 7:18:39
